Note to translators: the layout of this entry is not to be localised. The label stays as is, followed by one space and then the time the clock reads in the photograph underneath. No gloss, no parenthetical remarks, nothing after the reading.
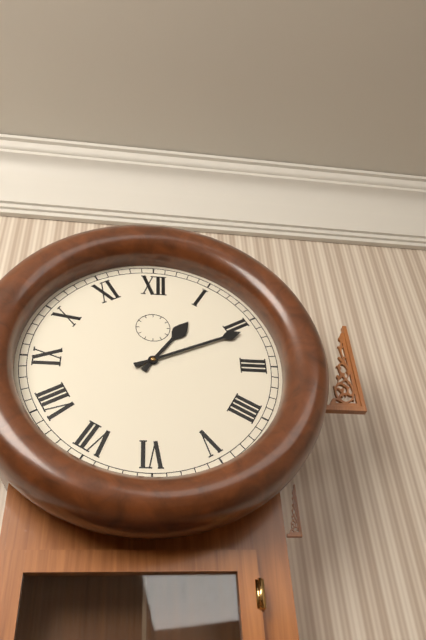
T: 1:11
